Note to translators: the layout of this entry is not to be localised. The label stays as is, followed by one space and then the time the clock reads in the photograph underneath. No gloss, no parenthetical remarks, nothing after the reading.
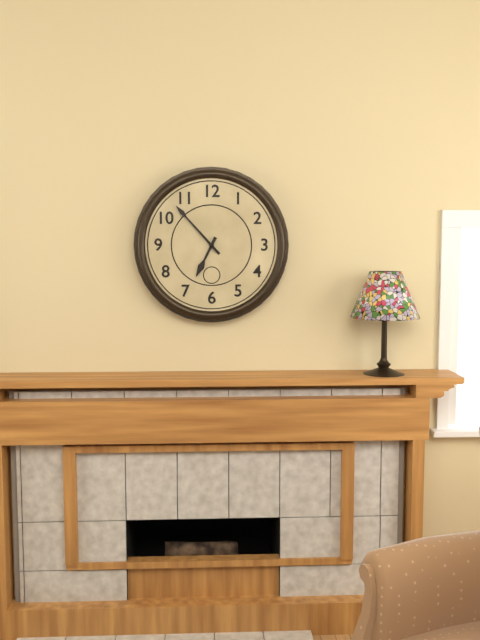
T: 6:53
